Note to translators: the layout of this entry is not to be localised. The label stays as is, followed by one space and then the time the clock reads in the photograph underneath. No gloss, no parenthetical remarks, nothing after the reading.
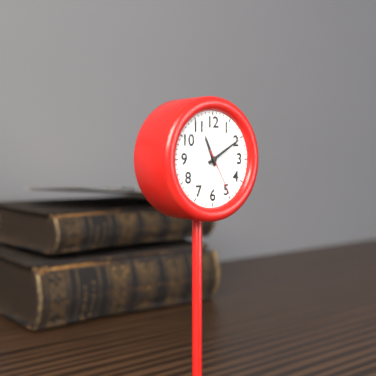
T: 11:10:25
